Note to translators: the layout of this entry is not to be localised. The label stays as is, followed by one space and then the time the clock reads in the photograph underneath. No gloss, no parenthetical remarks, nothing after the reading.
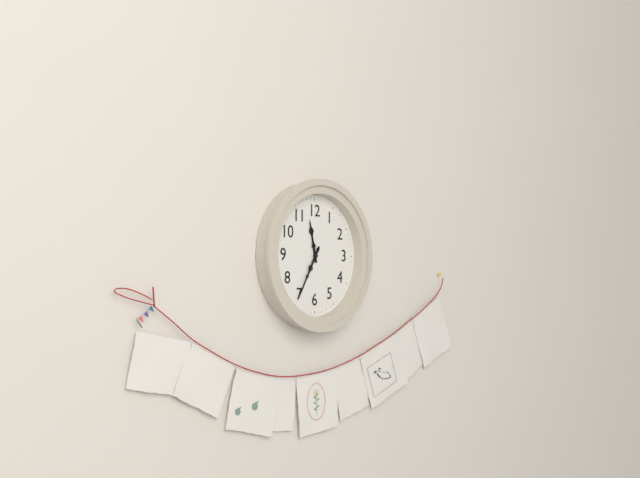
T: 11:35
